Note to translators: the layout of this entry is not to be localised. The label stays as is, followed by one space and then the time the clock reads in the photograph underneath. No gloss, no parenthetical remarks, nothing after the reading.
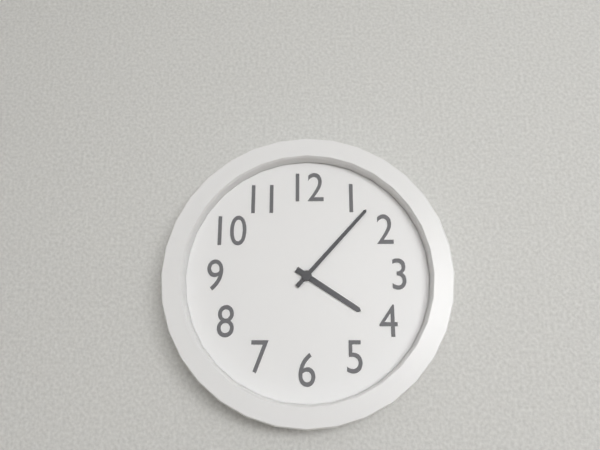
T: 4:07
